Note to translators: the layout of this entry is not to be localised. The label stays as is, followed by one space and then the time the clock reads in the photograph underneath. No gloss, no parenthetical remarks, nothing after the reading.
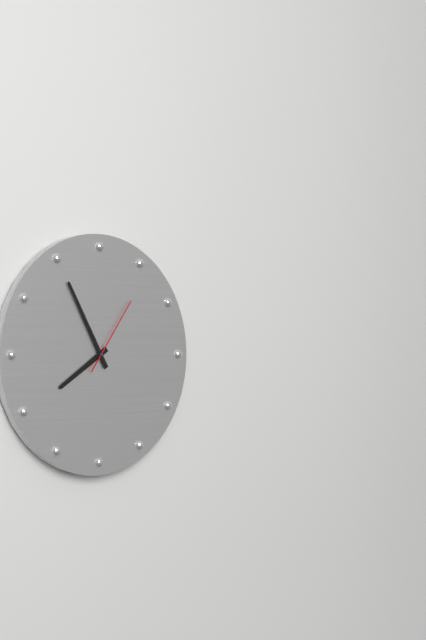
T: 7:55:06
